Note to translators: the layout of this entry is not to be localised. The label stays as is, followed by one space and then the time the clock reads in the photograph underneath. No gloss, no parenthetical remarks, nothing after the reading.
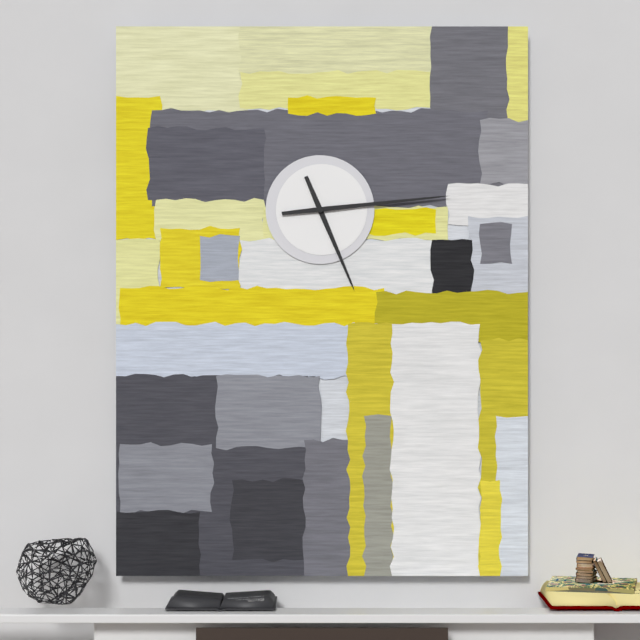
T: 5:14
